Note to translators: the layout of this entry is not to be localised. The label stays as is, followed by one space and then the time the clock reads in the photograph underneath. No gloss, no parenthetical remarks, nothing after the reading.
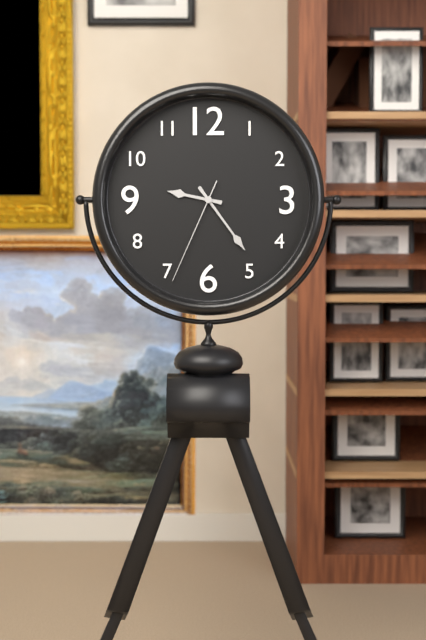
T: 9:24:34
